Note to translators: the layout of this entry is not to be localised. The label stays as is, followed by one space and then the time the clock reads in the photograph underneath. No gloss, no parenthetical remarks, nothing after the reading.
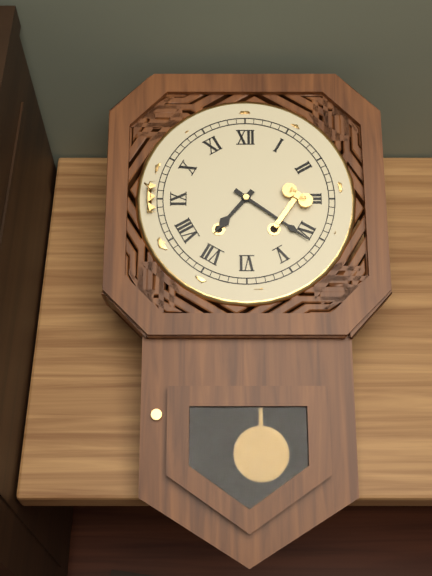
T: 7:21
